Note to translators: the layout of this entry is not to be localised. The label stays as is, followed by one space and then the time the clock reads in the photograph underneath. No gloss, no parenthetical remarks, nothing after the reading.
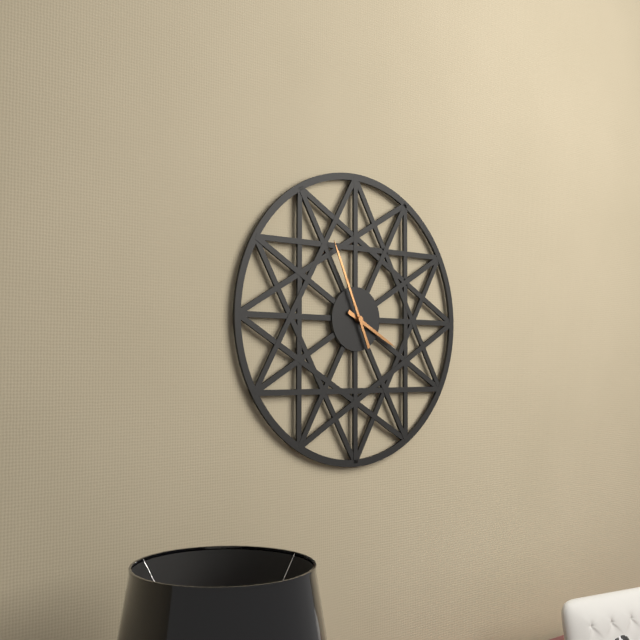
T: 3:56
